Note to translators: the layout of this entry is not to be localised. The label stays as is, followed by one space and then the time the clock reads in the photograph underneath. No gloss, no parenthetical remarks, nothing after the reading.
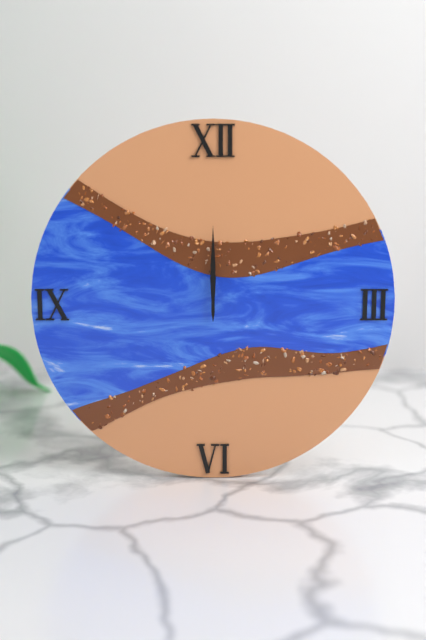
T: 12:00
